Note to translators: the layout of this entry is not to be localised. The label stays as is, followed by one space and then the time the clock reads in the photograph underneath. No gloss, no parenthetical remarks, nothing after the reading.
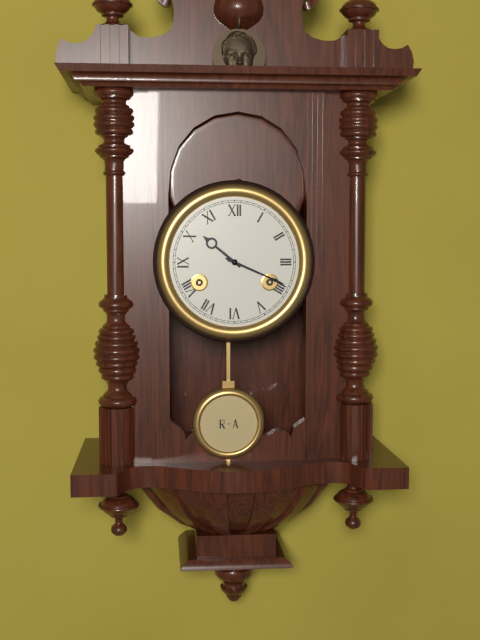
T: 10:19
